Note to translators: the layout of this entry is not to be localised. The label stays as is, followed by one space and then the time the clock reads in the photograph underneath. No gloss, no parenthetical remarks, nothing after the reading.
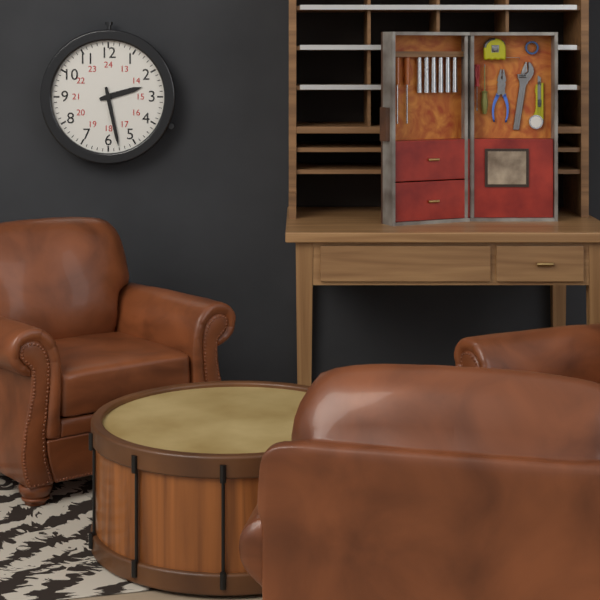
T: 2:28
